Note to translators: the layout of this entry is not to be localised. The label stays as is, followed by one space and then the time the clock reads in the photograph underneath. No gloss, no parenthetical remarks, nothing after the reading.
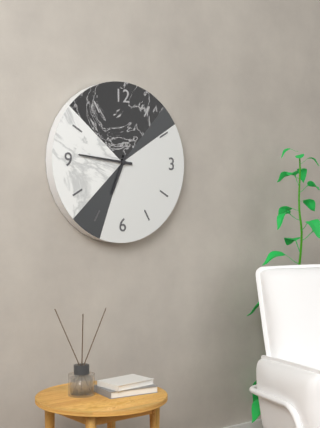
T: 6:46
